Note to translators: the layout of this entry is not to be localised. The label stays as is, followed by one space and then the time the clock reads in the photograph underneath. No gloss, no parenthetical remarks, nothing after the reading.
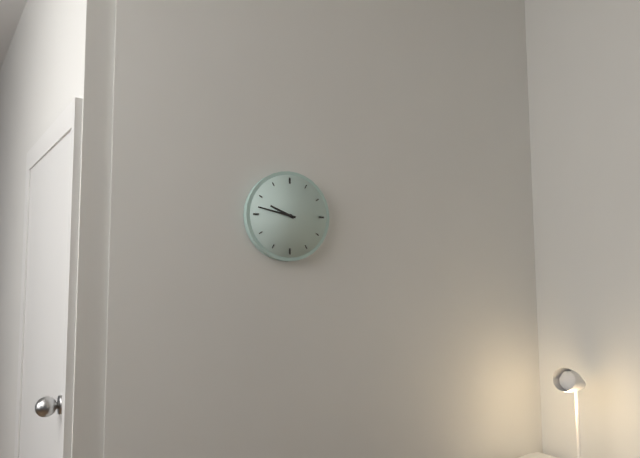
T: 9:47
